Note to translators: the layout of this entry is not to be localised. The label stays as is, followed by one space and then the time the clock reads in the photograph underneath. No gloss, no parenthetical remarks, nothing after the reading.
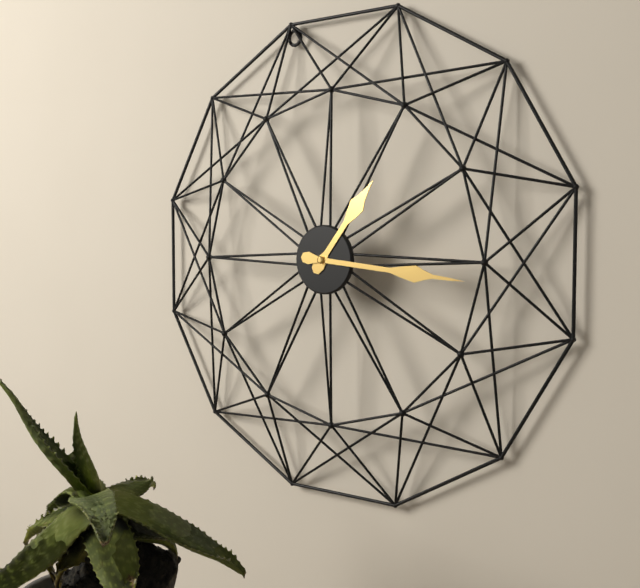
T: 1:16
